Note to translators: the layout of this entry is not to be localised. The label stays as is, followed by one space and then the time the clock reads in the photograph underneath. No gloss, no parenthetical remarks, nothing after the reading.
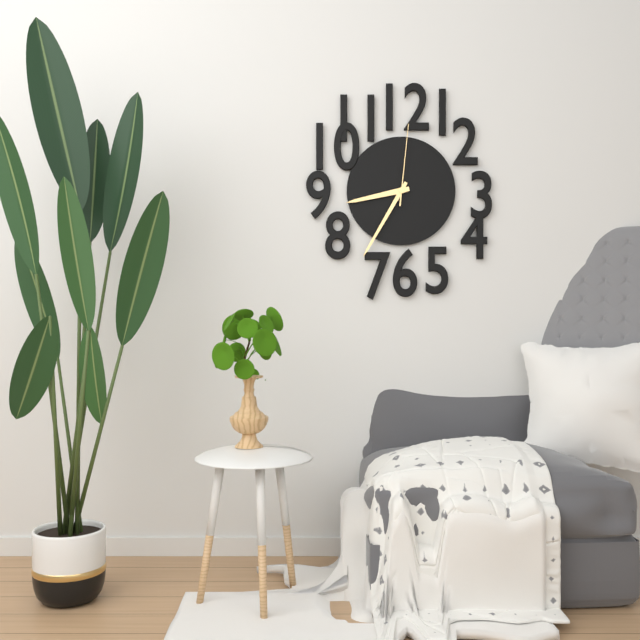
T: 8:35:01
